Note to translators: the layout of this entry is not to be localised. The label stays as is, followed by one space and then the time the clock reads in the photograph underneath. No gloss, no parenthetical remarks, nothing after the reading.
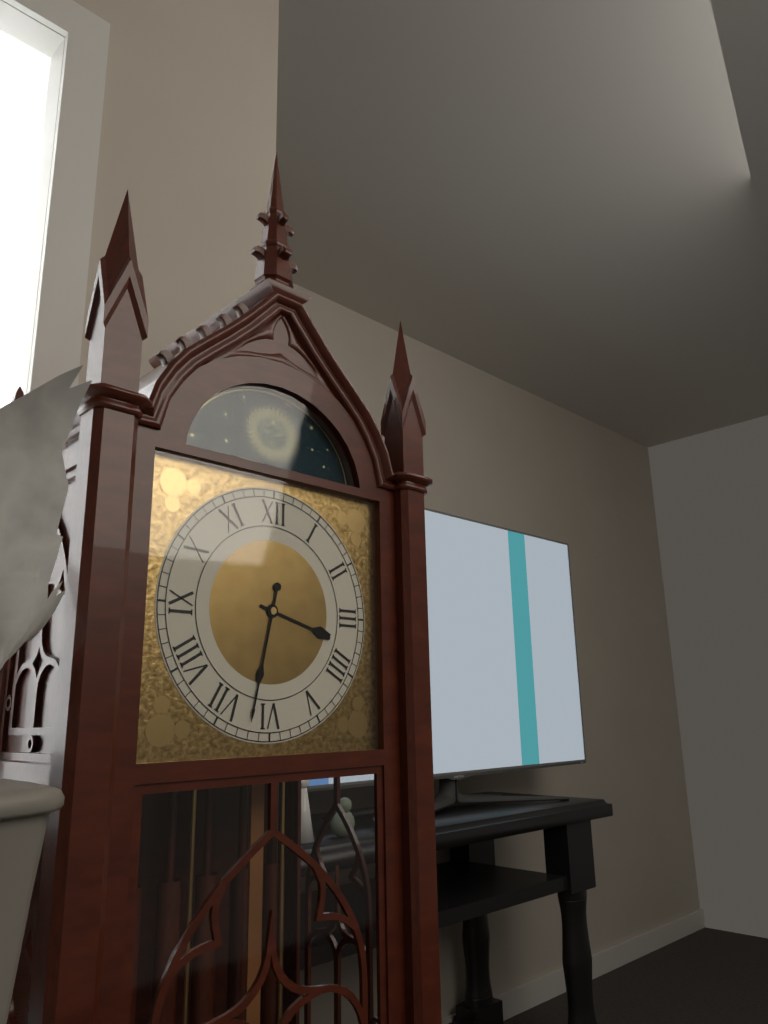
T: 3:32
